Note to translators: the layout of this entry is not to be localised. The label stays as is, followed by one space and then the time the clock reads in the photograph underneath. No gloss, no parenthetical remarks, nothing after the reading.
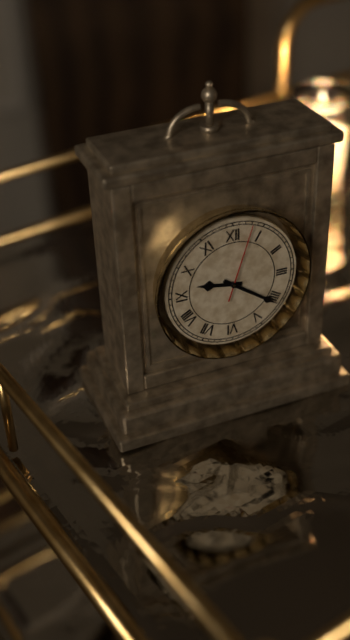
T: 9:21:03
